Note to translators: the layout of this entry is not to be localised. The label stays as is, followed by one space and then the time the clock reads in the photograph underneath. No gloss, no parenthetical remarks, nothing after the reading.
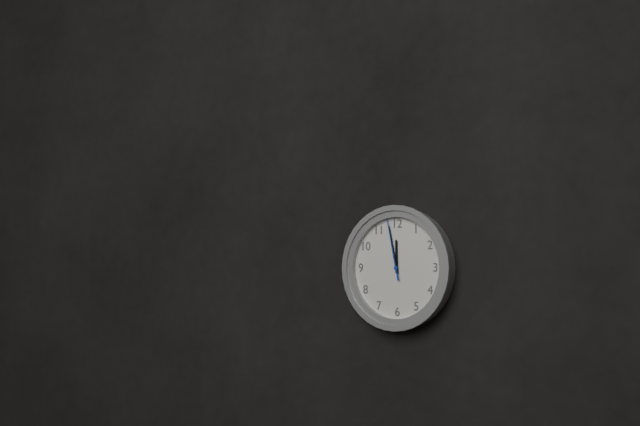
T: 11:58:58
